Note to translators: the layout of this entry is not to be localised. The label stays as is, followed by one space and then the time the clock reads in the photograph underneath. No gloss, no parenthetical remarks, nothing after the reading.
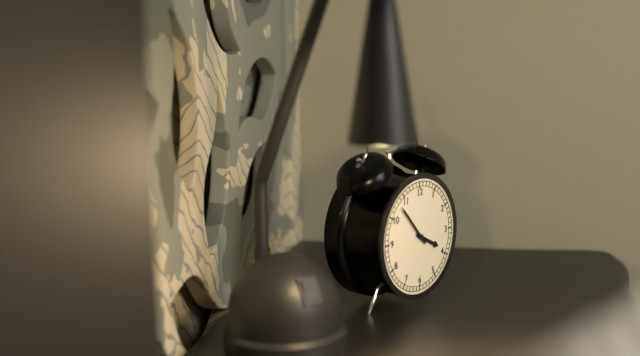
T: 3:53
